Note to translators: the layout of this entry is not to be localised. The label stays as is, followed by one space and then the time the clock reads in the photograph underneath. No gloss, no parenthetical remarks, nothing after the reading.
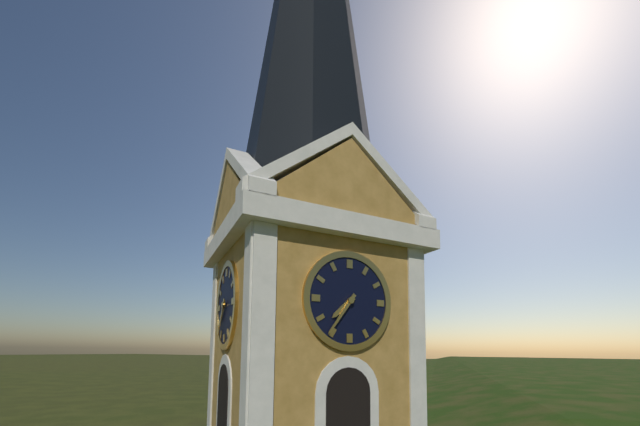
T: 7:36
